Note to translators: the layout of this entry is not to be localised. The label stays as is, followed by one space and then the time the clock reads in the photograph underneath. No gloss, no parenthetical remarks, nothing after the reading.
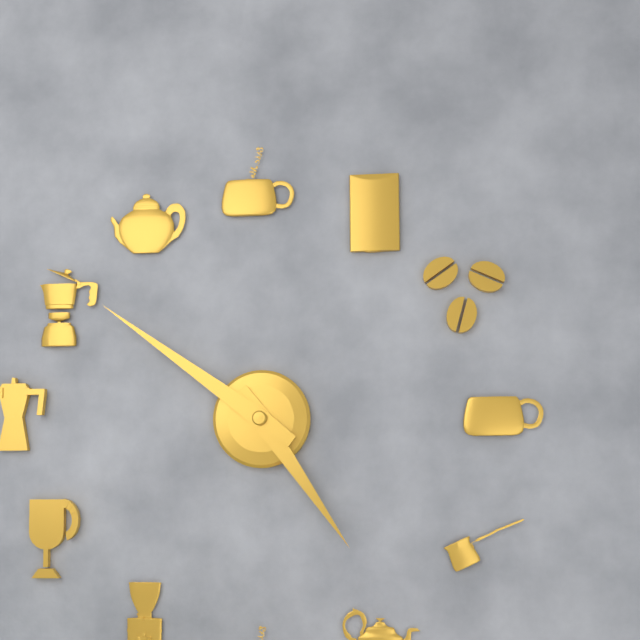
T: 4:51
